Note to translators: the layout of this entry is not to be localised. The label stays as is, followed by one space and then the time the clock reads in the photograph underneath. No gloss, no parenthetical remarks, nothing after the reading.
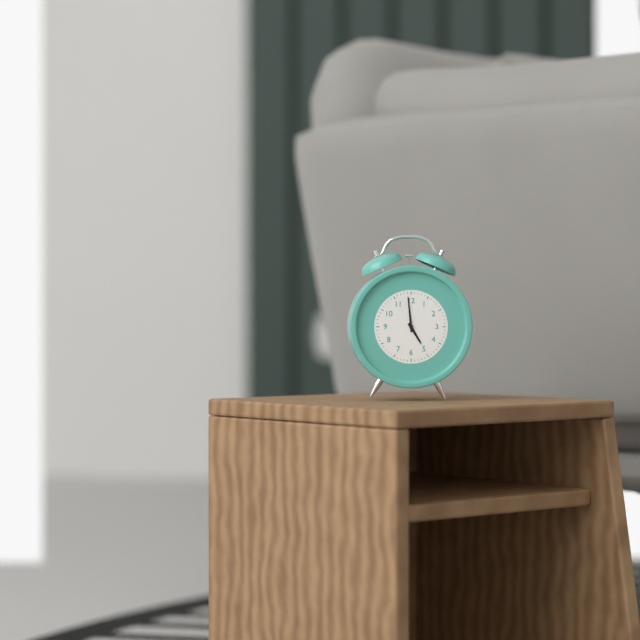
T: 4:59
